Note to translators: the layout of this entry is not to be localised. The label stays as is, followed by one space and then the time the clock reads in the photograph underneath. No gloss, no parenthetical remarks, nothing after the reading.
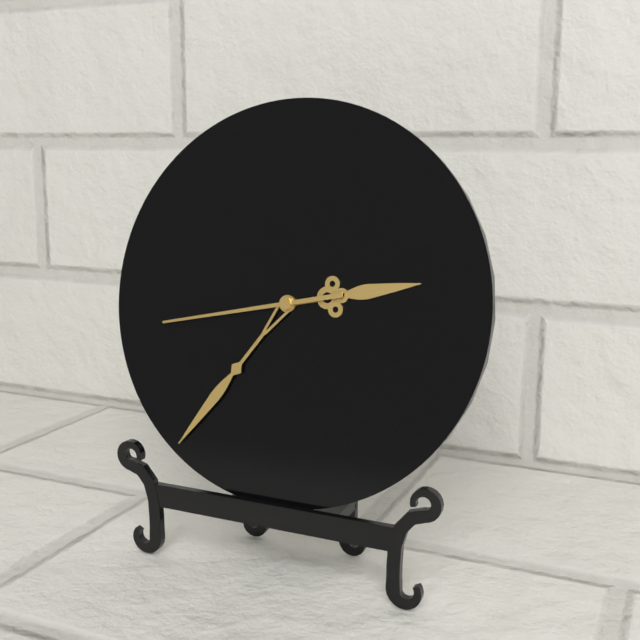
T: 2:36:43
